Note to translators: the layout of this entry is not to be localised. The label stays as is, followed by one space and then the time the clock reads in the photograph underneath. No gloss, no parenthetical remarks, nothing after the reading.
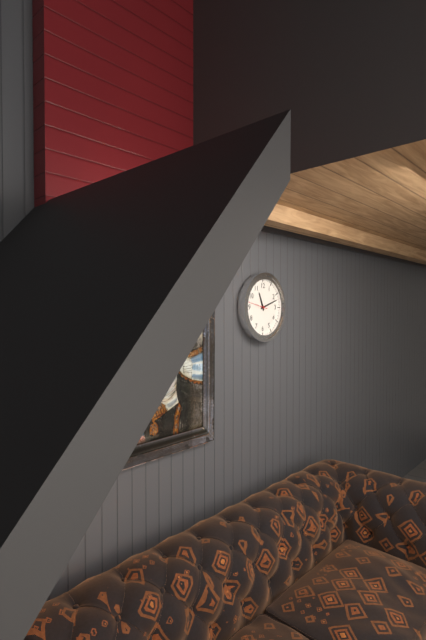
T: 11:12
